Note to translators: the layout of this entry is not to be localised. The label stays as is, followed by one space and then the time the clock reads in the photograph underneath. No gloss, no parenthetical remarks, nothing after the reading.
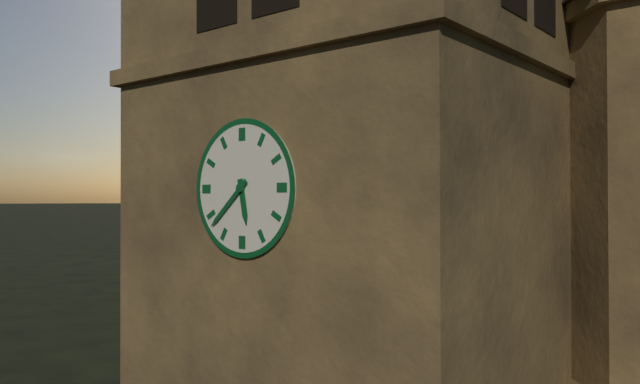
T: 5:38
